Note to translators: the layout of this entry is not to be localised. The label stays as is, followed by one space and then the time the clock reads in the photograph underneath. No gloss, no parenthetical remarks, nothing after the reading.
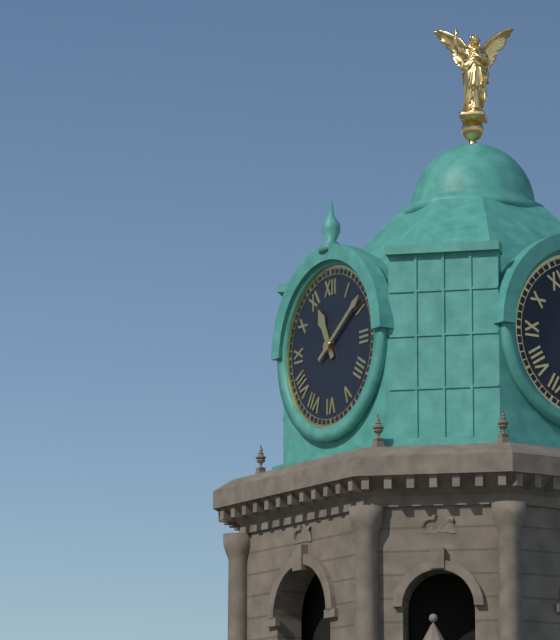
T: 11:09
